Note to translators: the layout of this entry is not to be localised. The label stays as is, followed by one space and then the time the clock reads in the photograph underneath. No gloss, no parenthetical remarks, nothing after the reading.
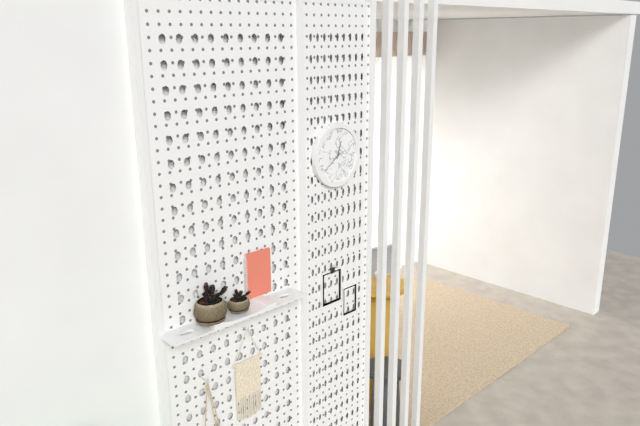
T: 12:39
